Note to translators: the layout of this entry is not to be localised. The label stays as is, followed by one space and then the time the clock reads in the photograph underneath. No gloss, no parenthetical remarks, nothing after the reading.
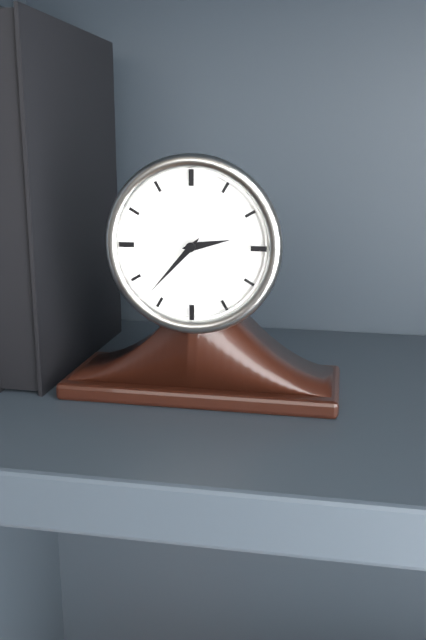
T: 2:37
